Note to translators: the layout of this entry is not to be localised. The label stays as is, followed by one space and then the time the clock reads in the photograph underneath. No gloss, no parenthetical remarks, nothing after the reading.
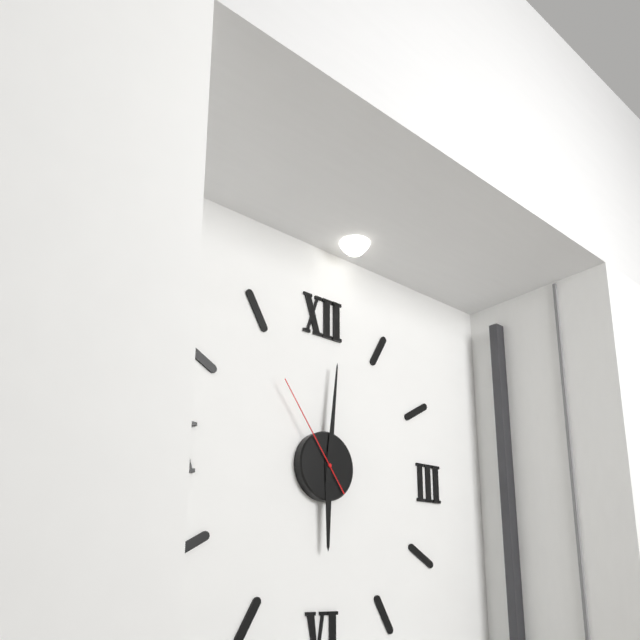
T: 6:01:54
